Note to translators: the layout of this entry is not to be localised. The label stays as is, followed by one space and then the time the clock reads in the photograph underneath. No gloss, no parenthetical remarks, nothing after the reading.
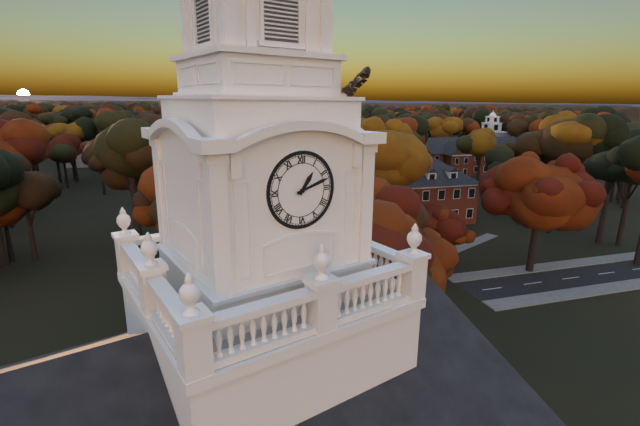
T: 1:12
